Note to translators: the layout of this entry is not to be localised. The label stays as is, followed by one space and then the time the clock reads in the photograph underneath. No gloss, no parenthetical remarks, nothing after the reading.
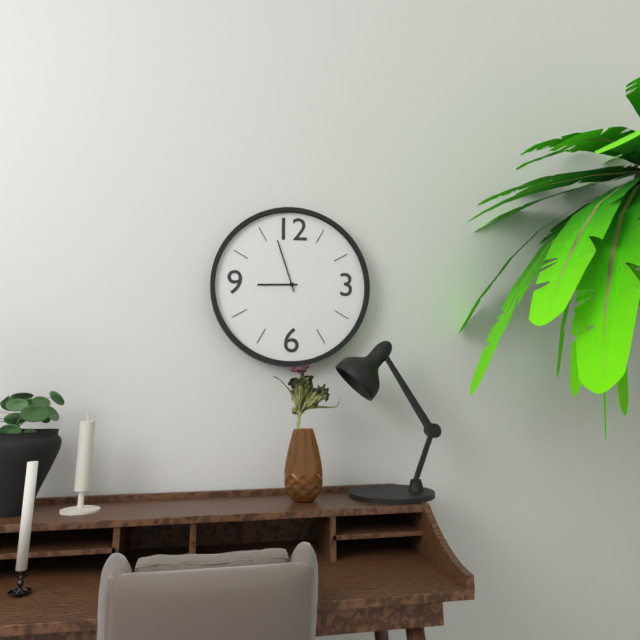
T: 8:57
